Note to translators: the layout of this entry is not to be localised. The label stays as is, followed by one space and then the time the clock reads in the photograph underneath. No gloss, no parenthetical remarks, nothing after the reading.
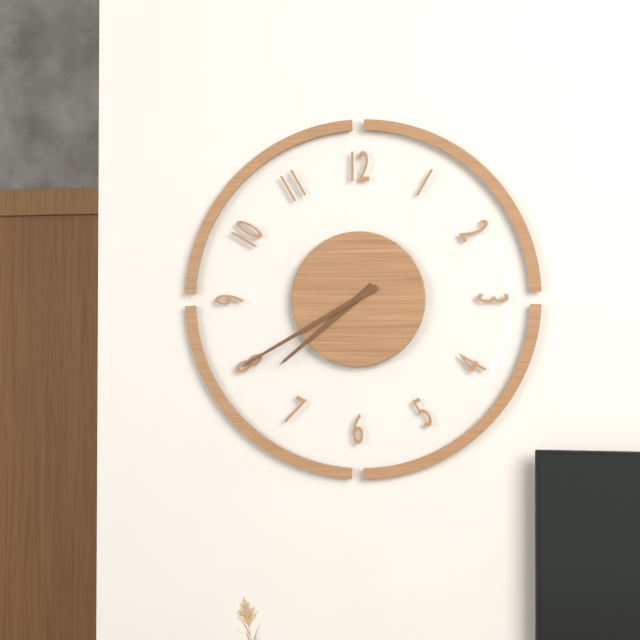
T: 7:40
